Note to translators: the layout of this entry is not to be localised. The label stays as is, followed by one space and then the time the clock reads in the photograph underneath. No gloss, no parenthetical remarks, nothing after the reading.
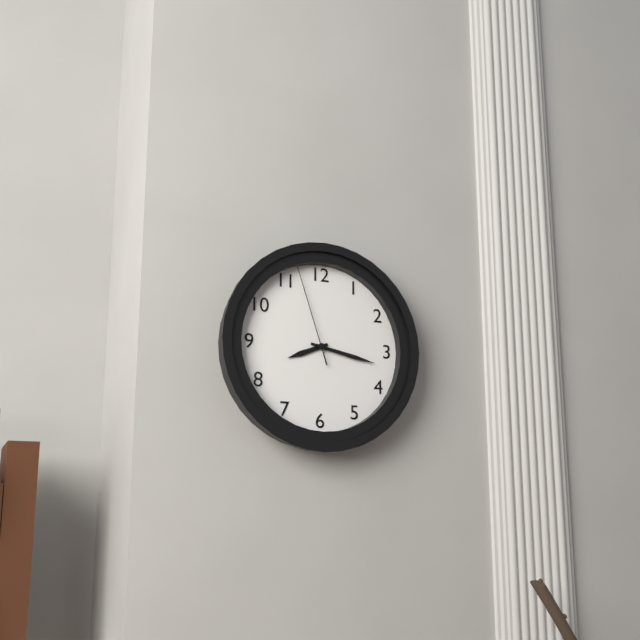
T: 8:17:57
